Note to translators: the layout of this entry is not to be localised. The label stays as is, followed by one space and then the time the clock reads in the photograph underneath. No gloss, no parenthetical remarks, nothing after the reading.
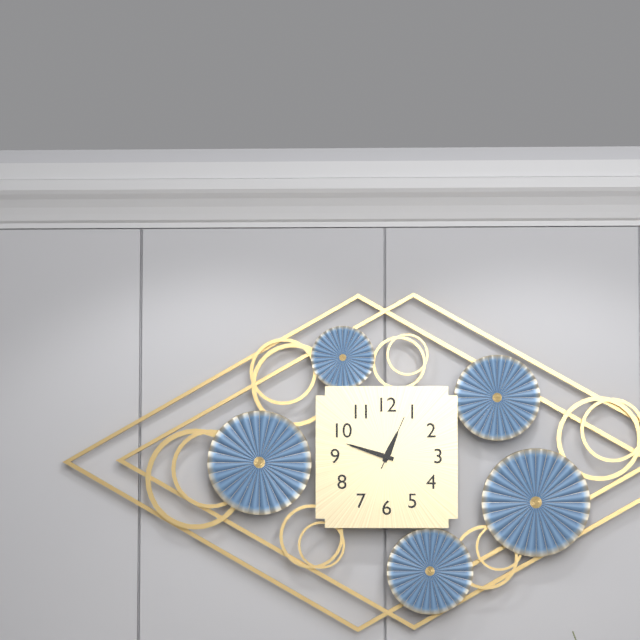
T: 12:48:04
